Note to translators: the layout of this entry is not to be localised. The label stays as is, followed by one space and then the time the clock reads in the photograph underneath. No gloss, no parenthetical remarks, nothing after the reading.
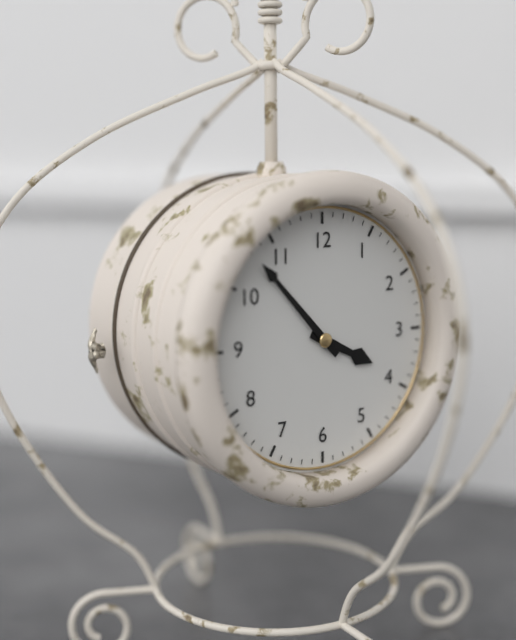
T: 3:53
